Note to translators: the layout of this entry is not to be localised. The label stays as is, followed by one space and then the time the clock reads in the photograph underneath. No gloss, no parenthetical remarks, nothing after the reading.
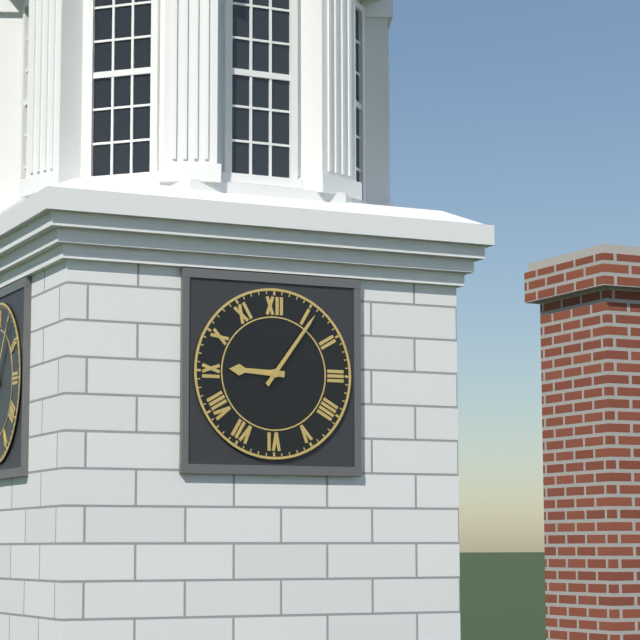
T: 9:06
